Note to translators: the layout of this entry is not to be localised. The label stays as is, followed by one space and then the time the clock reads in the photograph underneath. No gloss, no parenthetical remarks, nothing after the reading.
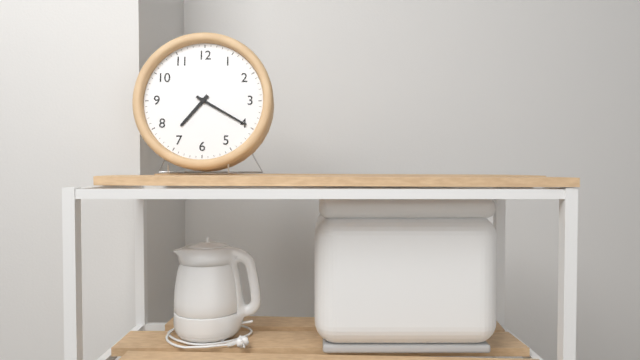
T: 7:20
